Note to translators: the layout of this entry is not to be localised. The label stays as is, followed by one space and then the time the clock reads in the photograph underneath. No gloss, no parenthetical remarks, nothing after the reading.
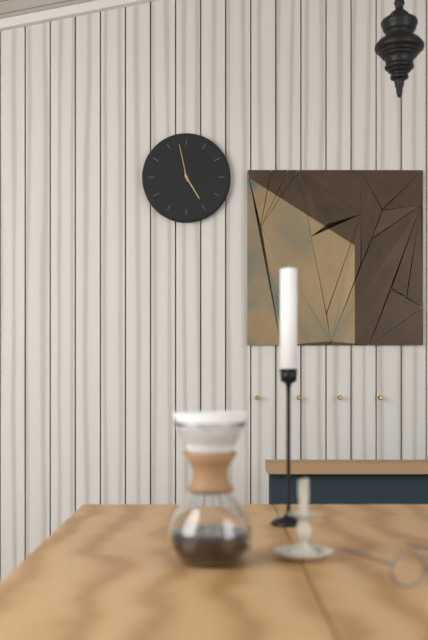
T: 4:58
